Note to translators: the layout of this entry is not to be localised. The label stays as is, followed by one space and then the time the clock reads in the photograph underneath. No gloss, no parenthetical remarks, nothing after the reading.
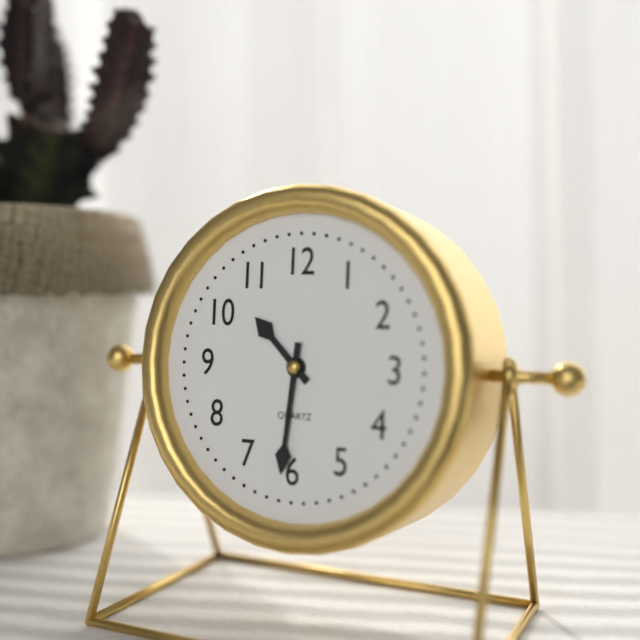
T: 10:31
